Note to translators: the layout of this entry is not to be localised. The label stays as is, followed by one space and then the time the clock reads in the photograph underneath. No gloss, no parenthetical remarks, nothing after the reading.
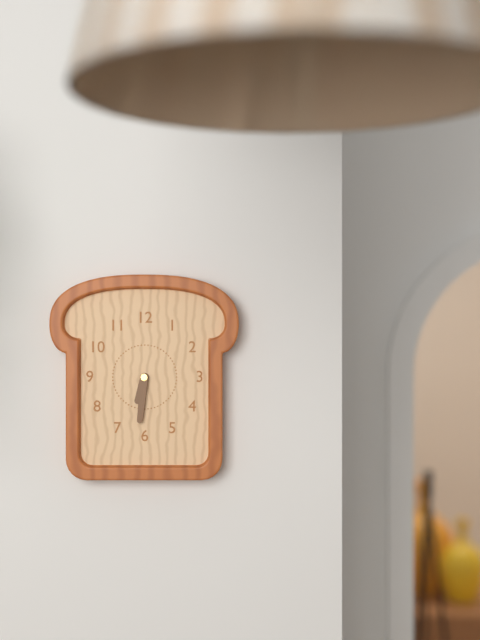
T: 6:31
